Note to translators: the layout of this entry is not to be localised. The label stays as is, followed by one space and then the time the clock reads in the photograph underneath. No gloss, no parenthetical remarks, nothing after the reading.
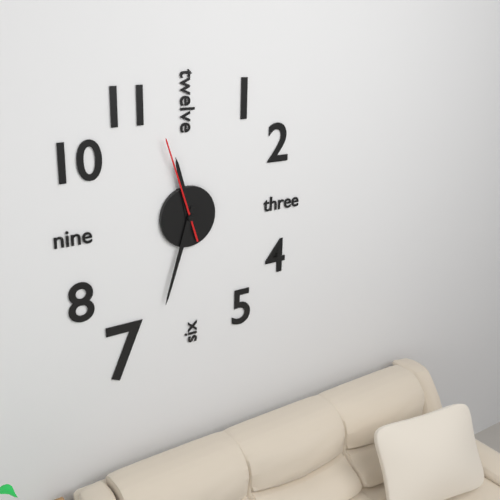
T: 11:33:57
